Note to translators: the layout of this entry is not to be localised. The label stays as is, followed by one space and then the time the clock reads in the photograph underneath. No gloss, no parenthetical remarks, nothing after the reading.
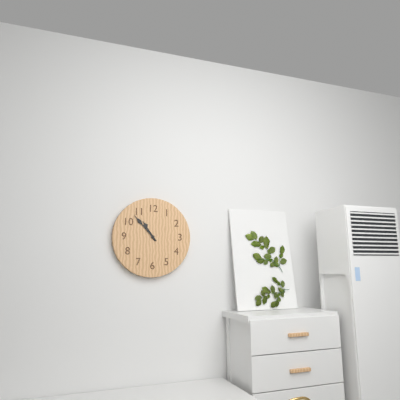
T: 10:53
